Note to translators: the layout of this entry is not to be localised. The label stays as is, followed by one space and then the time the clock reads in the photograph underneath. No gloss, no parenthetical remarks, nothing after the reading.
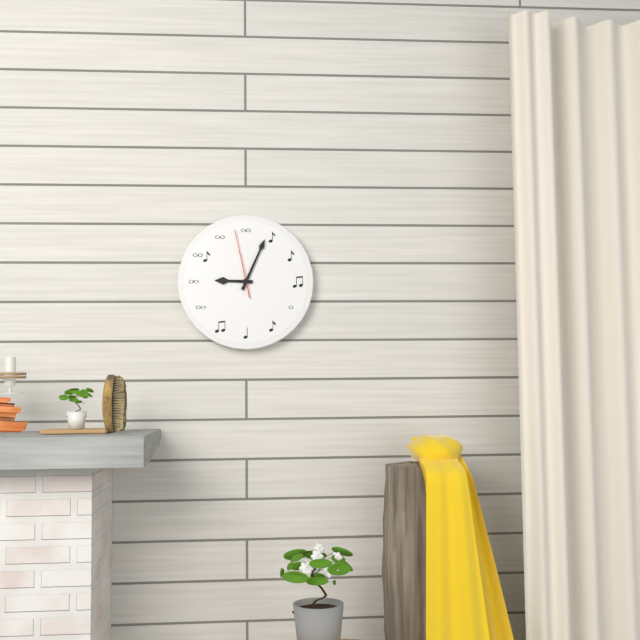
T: 9:04:58
